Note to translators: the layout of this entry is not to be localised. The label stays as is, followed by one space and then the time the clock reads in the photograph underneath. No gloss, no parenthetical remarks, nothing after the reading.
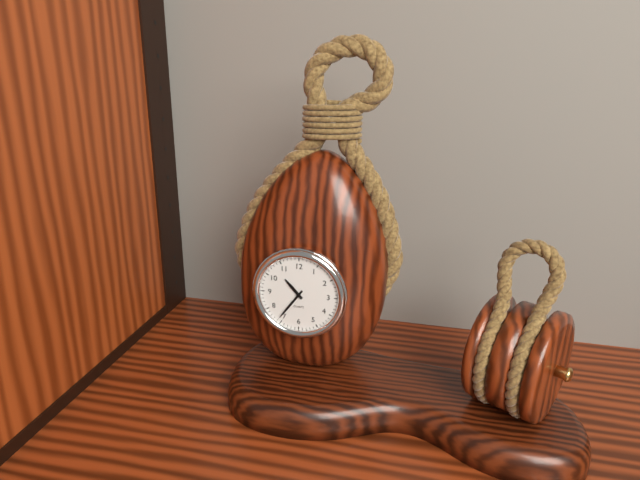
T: 10:36
